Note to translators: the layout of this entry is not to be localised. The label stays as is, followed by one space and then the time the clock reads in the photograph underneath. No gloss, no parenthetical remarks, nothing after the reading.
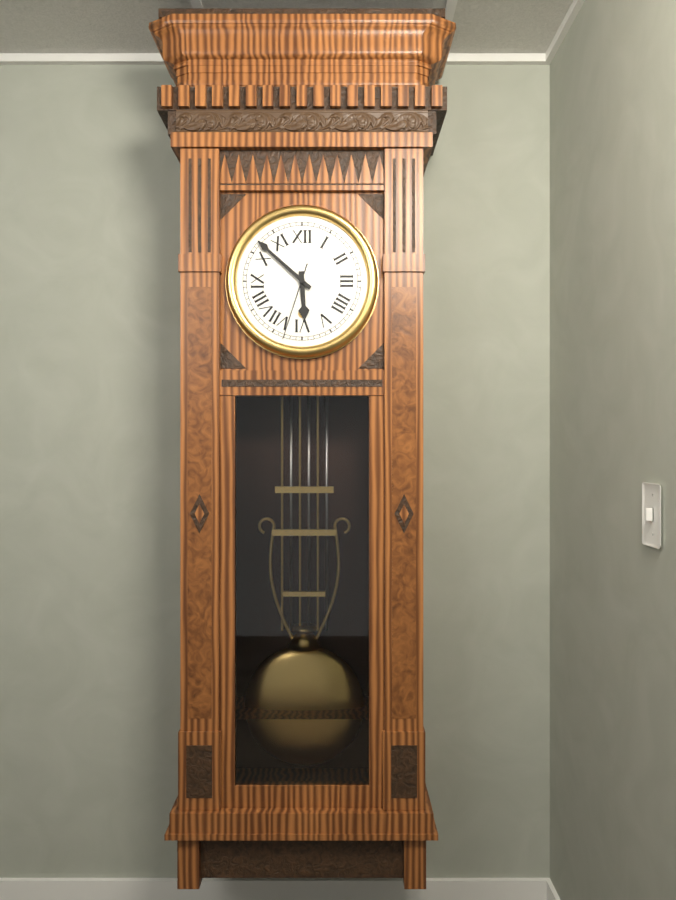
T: 5:52:33
